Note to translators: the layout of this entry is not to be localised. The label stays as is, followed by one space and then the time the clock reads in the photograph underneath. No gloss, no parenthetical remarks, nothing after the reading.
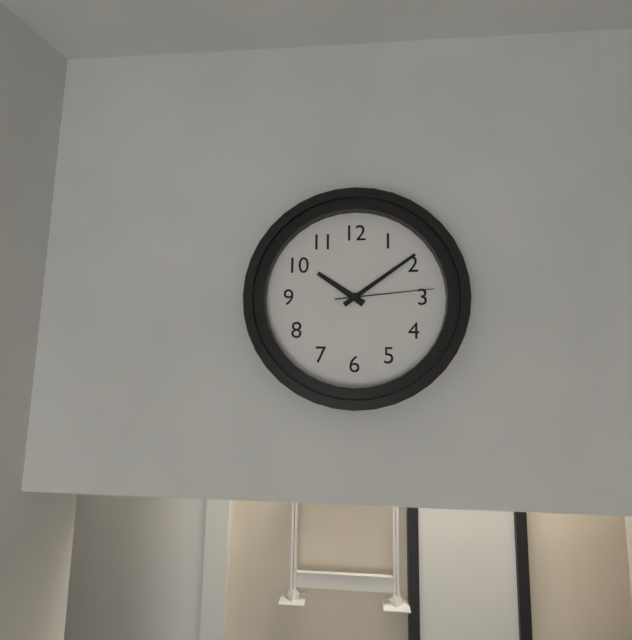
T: 10:09:14
